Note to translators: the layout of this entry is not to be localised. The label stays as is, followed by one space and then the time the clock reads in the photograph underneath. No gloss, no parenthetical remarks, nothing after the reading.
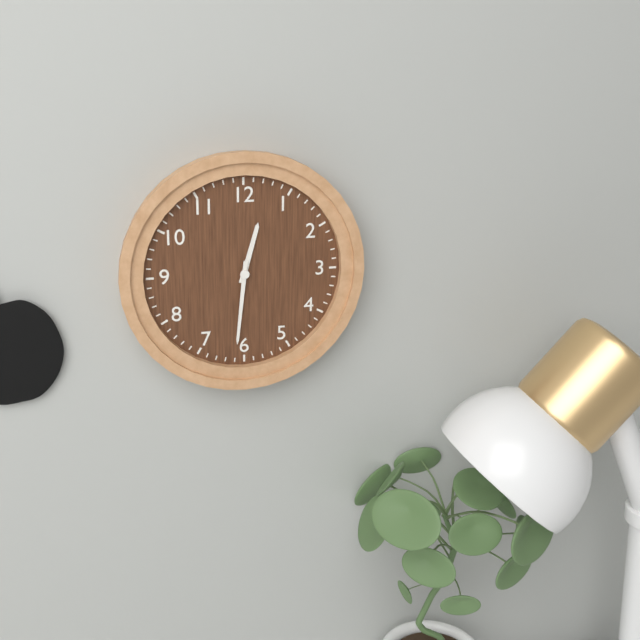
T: 12:31
